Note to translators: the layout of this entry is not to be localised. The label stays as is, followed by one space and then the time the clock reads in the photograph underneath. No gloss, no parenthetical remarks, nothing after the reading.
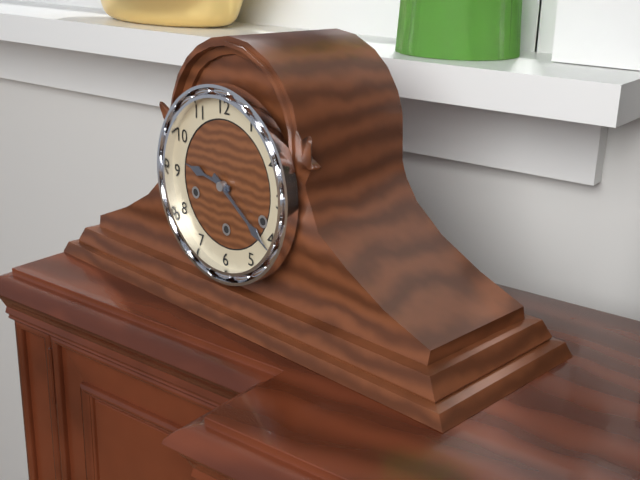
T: 9:21
